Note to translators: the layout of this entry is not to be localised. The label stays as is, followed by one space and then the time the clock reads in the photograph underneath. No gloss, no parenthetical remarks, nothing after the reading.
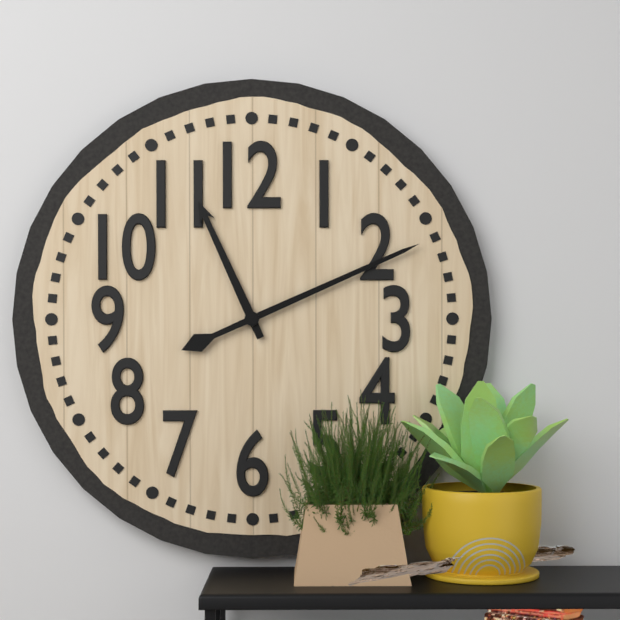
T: 11:11
